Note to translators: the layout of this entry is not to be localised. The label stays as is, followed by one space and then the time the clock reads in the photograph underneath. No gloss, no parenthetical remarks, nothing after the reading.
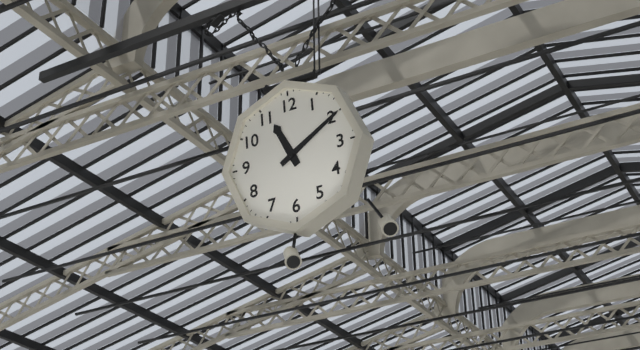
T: 11:10
